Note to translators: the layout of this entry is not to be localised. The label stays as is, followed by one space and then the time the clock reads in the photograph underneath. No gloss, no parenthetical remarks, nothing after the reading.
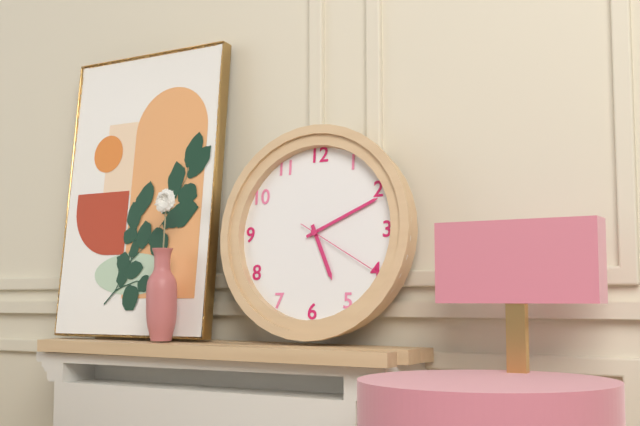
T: 5:11:20
